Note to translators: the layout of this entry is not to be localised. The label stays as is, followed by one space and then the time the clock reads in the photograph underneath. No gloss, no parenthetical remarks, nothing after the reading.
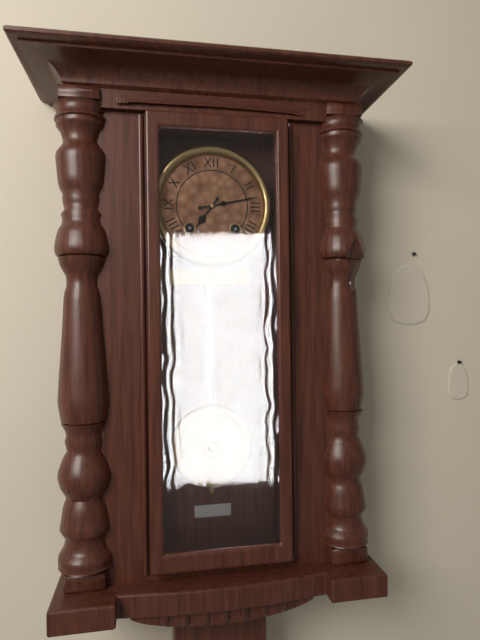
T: 7:13
